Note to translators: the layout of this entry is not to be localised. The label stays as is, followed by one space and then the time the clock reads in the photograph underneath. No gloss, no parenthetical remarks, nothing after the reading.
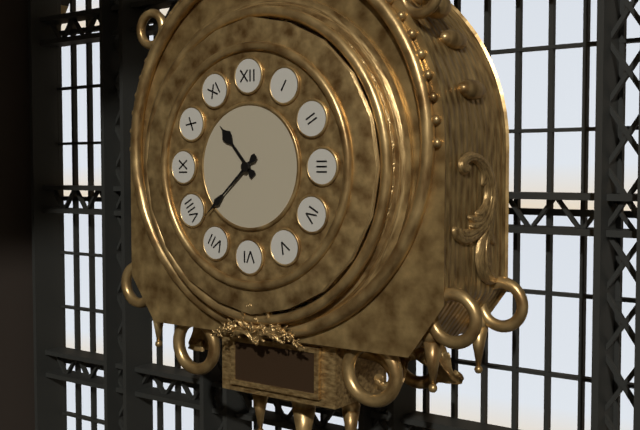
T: 10:38
